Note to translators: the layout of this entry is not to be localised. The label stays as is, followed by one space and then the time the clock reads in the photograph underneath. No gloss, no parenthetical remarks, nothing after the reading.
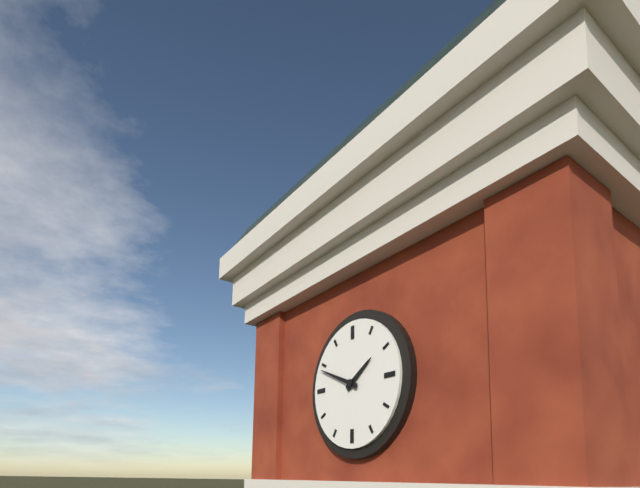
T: 1:49
